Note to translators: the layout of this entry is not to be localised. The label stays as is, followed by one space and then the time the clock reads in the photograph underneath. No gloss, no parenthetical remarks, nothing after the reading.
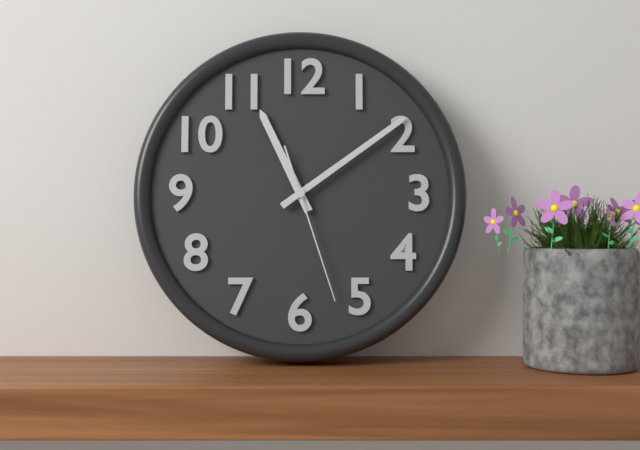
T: 11:09:27
